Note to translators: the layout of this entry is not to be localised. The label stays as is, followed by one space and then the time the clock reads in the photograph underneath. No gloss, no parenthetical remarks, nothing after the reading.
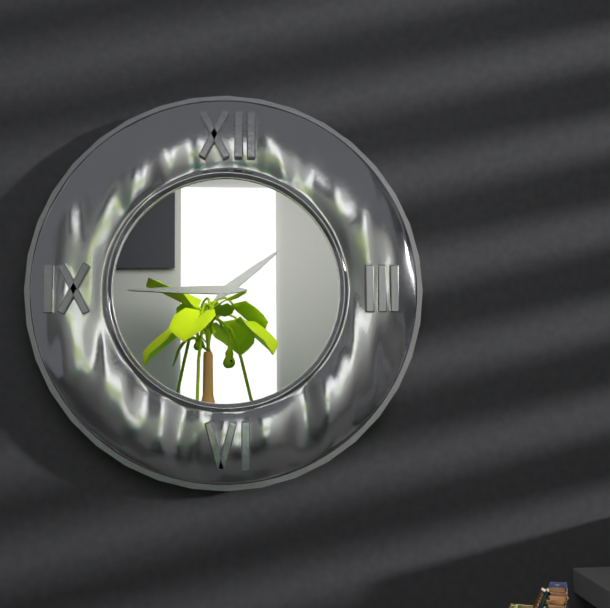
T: 1:45
